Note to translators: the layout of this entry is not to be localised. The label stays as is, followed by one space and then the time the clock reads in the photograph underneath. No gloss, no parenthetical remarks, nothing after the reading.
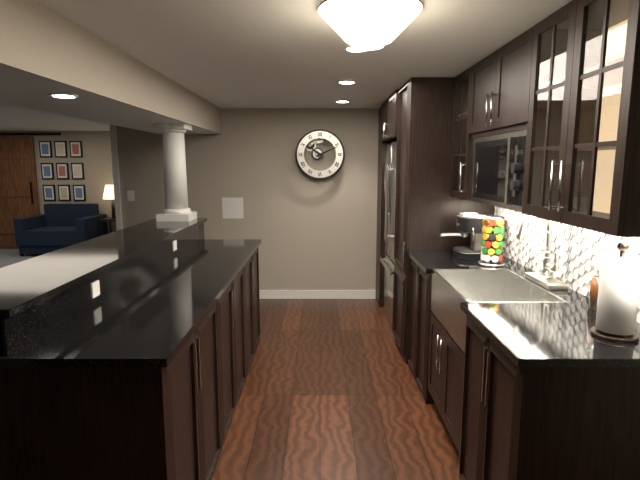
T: 10:11
